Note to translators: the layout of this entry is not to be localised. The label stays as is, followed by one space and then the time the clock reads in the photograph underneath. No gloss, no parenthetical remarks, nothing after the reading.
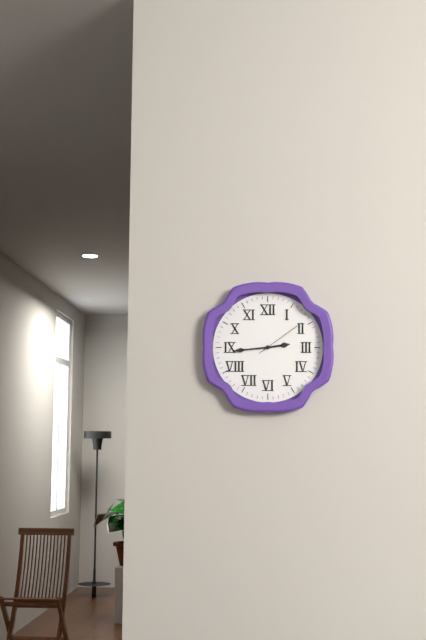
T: 2:44:09
